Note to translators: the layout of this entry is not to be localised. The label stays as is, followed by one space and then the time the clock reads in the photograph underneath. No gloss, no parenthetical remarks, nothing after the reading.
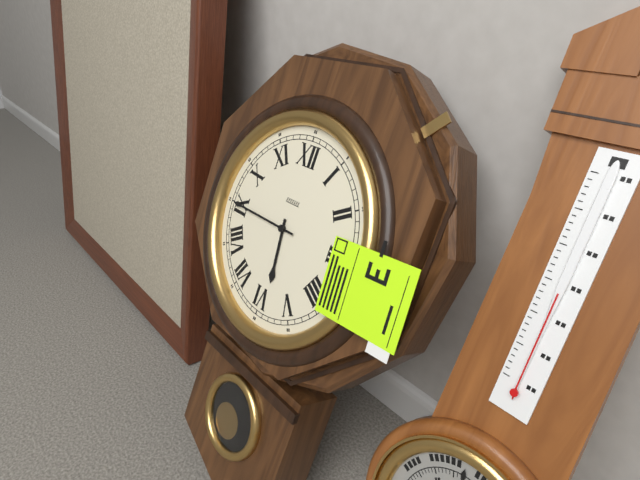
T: 5:45
